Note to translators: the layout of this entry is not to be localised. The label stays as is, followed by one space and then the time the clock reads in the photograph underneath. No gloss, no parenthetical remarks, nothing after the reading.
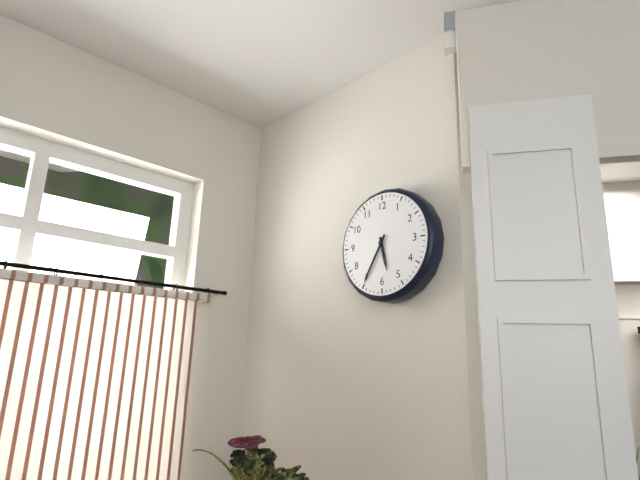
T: 5:35
